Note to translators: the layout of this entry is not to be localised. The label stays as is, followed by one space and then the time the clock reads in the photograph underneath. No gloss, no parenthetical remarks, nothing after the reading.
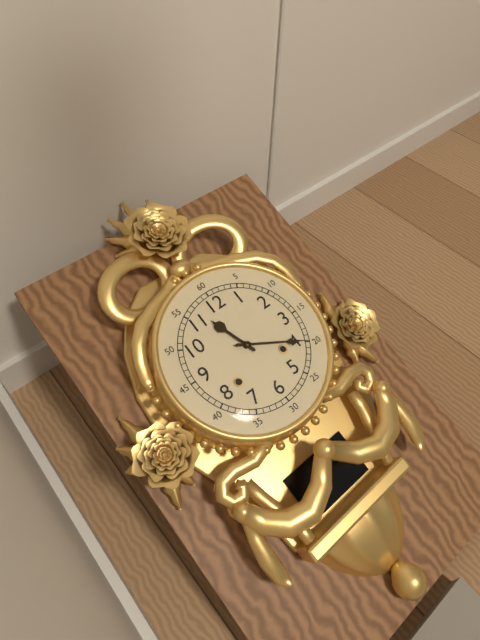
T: 11:20
